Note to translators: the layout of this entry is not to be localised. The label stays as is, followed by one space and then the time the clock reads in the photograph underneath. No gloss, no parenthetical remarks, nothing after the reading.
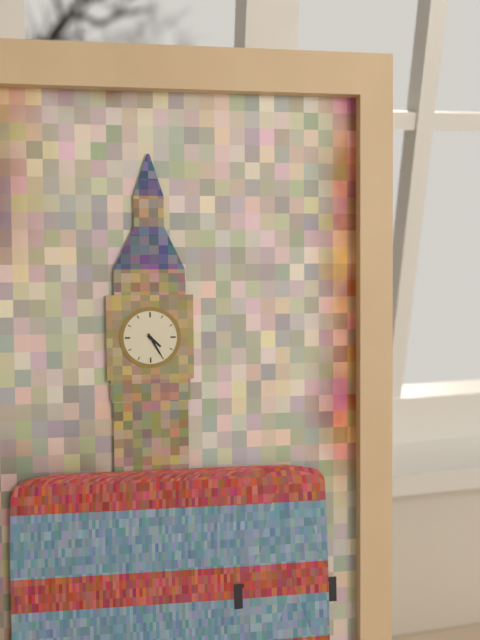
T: 4:25
